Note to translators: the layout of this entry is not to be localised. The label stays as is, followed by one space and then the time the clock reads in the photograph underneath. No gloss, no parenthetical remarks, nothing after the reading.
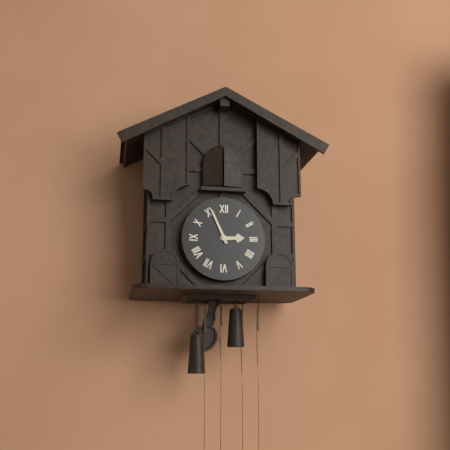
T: 2:56
